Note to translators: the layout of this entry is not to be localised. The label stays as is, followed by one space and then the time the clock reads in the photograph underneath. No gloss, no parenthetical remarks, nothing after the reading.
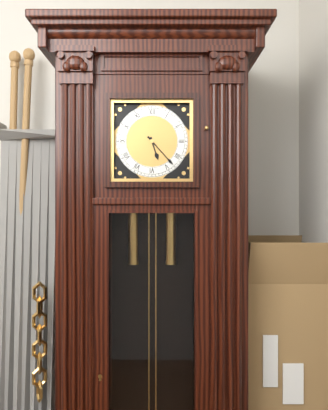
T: 5:23
